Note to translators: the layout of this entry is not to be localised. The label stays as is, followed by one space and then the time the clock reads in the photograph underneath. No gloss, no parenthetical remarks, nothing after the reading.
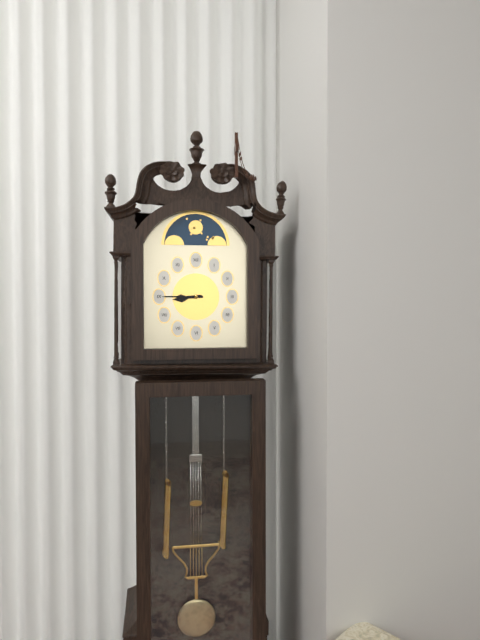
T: 8:45
